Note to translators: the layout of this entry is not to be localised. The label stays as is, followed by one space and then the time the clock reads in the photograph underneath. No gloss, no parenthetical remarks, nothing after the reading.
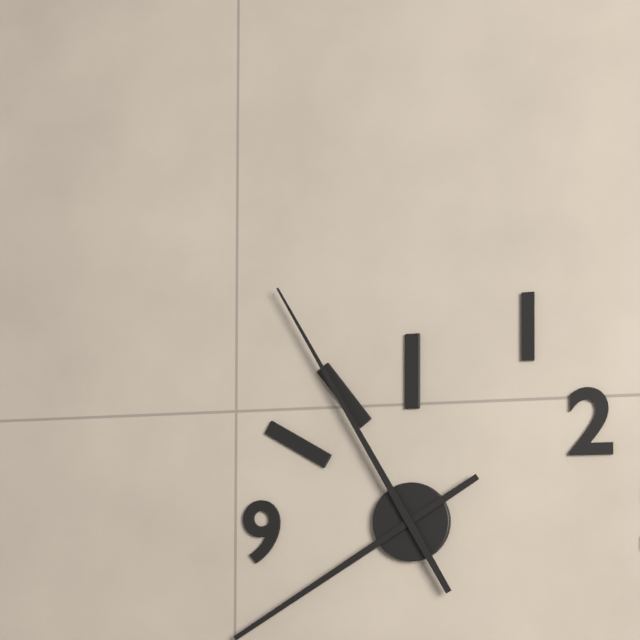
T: 7:55
